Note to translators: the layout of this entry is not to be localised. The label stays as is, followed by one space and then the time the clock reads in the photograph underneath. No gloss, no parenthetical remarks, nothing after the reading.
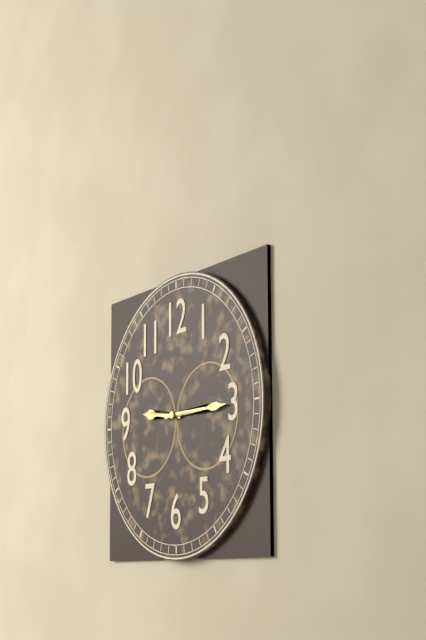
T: 9:15
